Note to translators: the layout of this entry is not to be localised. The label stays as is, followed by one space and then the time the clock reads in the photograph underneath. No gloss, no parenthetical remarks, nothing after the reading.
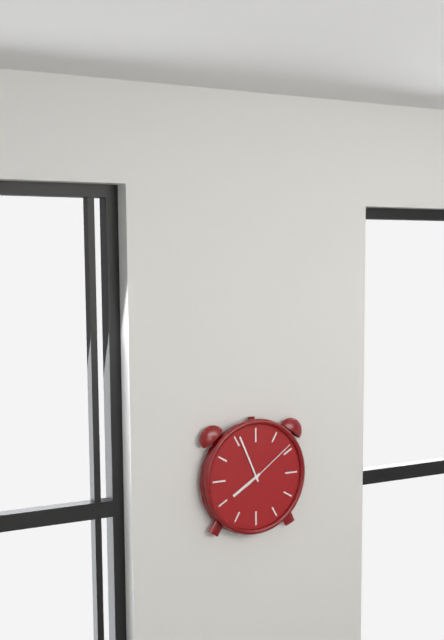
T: 7:56:09
